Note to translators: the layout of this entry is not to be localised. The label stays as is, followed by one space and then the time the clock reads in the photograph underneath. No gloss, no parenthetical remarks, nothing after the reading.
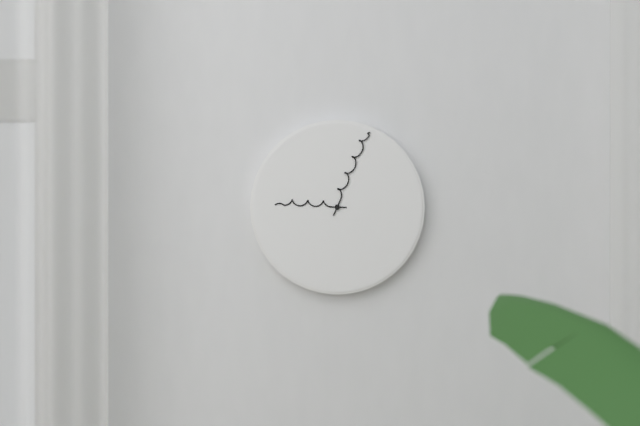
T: 9:04
